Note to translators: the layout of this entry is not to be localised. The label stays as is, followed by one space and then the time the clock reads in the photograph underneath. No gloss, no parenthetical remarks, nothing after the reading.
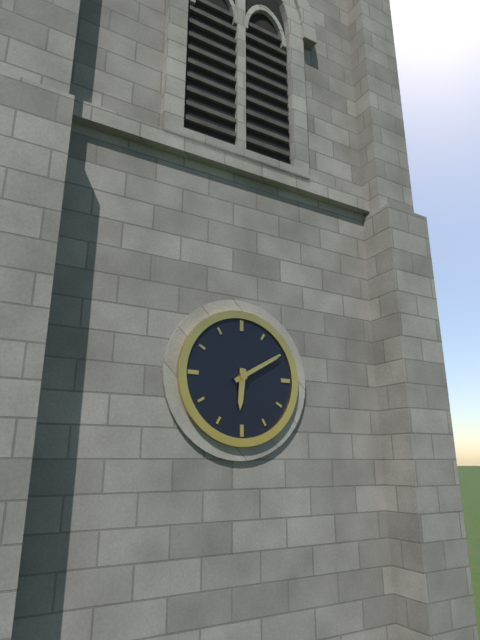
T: 6:10
